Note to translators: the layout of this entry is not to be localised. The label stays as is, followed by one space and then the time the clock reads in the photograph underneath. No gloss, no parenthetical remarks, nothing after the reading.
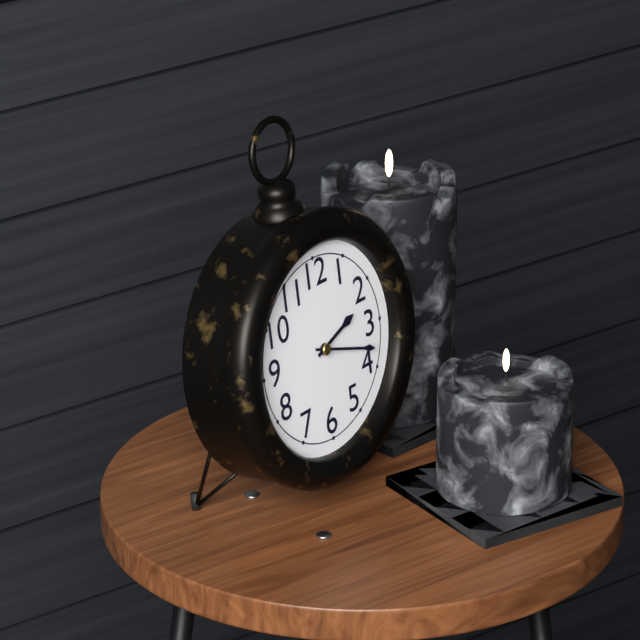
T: 2:18
